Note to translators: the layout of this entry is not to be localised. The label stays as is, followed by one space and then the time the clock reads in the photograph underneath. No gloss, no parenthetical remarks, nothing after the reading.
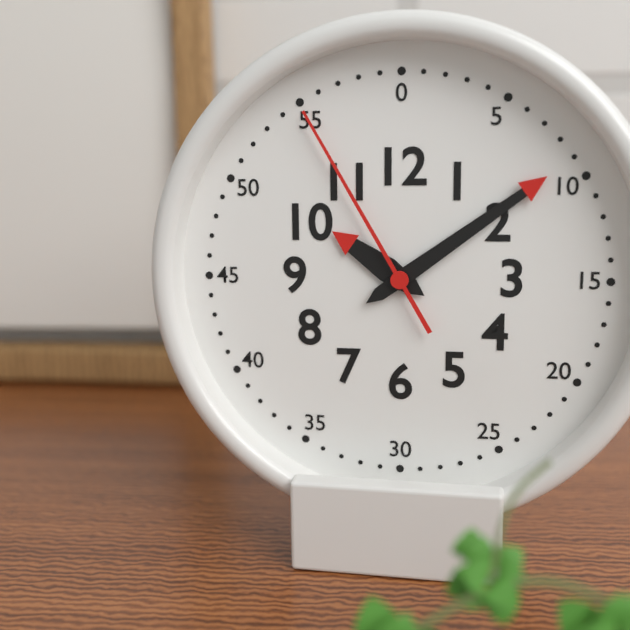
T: 10:09:55
